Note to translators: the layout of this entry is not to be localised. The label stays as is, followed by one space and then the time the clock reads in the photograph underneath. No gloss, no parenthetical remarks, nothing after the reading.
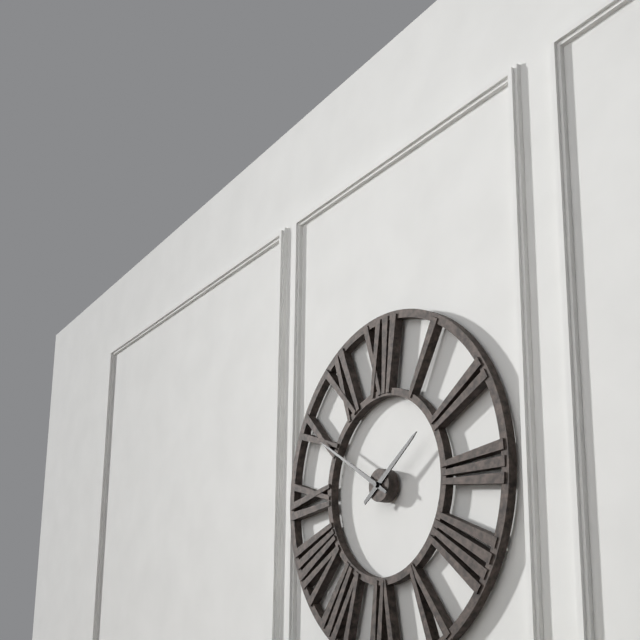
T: 1:50
